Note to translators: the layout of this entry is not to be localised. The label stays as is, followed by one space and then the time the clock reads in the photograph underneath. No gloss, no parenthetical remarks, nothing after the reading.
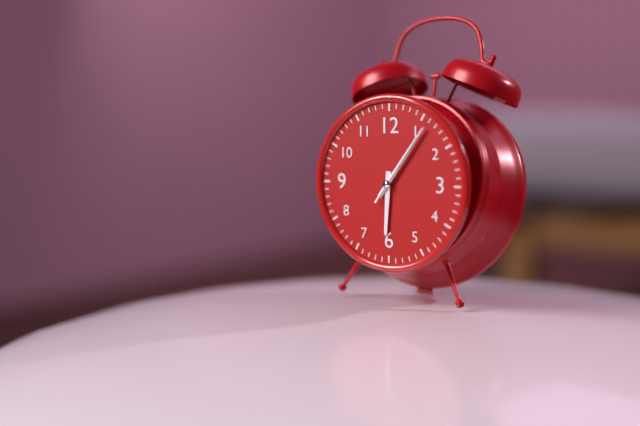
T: 6:06:06
